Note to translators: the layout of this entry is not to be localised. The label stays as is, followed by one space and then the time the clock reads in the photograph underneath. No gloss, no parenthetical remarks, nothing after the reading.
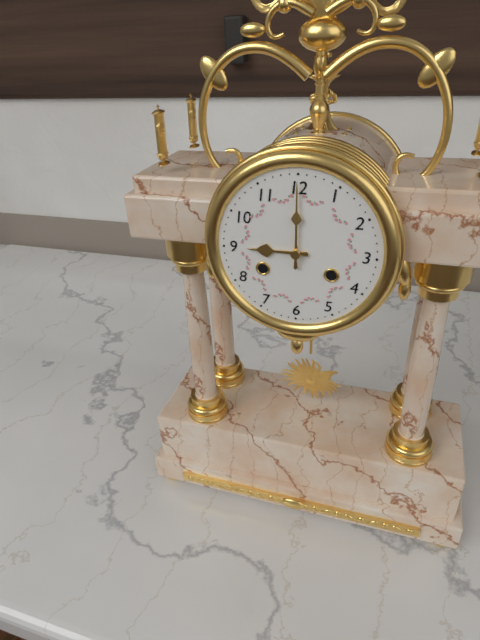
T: 9:00
